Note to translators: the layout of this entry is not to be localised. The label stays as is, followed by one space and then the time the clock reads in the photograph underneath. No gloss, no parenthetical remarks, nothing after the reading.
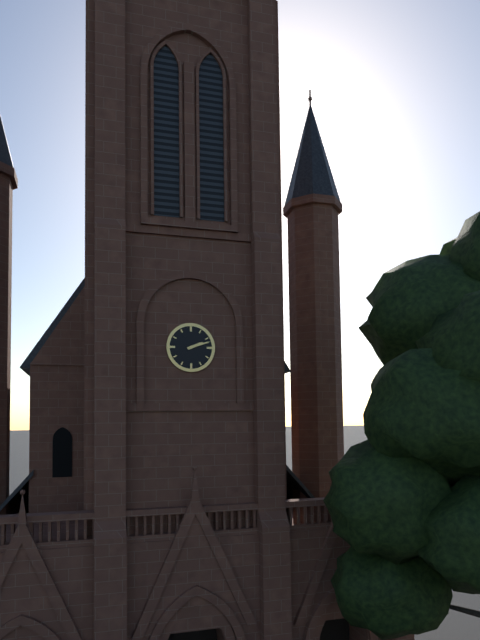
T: 2:12
